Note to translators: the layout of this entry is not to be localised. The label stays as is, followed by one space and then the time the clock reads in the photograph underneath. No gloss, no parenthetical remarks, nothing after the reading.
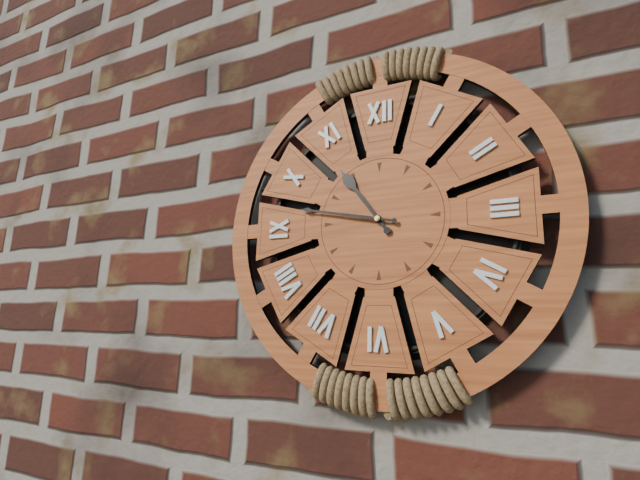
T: 10:47
